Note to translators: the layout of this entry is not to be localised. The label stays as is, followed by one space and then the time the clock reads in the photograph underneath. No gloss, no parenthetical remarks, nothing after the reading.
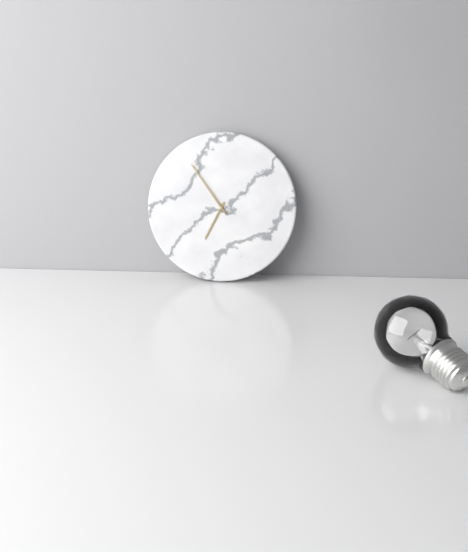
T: 6:54
